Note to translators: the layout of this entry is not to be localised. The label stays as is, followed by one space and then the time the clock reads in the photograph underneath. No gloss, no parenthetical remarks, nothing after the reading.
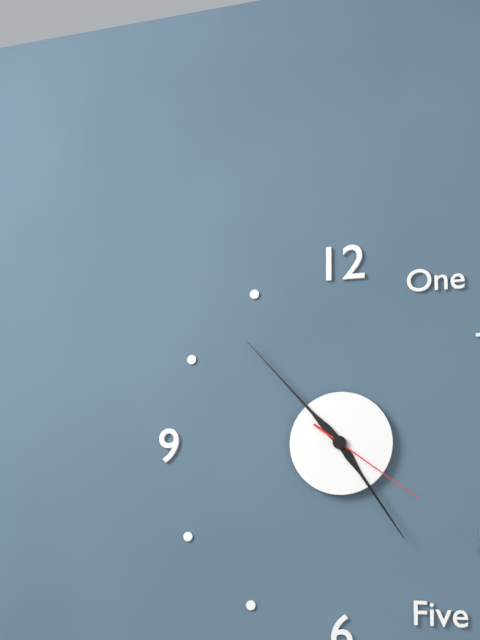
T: 4:53:21
